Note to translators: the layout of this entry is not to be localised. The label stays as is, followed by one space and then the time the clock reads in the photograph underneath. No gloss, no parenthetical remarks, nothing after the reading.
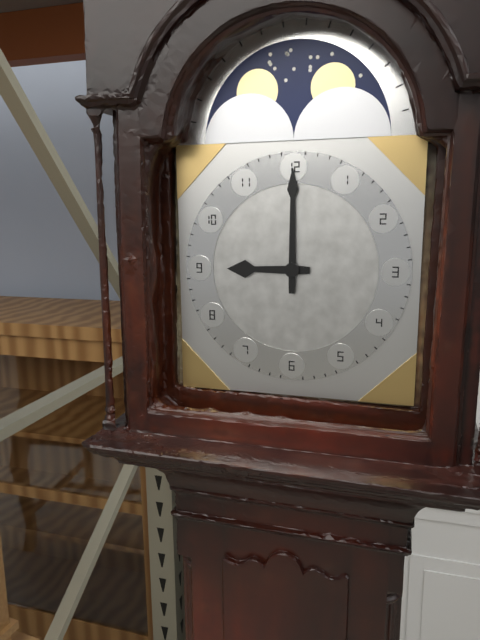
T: 9:00
